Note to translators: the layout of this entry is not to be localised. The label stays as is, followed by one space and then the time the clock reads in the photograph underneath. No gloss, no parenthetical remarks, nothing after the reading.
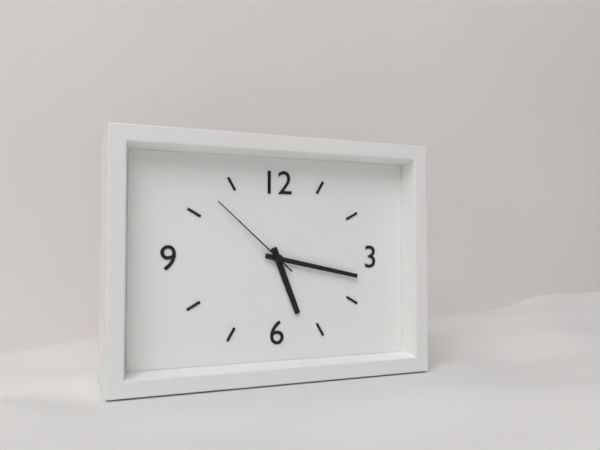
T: 5:17:52
